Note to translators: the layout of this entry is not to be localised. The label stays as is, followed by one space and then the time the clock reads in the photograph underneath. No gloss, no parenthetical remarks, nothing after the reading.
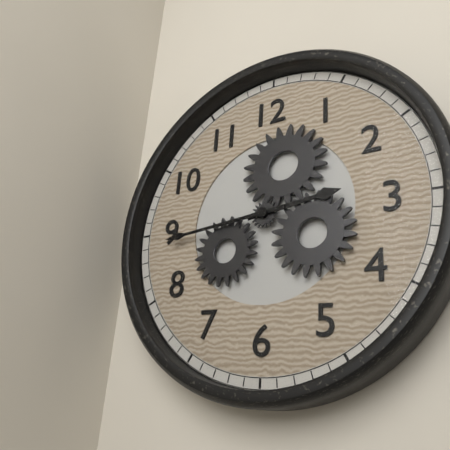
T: 2:44
